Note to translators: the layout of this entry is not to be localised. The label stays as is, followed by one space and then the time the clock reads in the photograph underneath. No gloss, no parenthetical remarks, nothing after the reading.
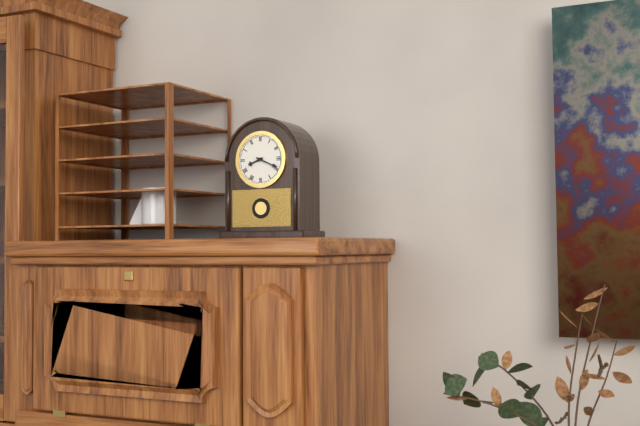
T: 8:19
